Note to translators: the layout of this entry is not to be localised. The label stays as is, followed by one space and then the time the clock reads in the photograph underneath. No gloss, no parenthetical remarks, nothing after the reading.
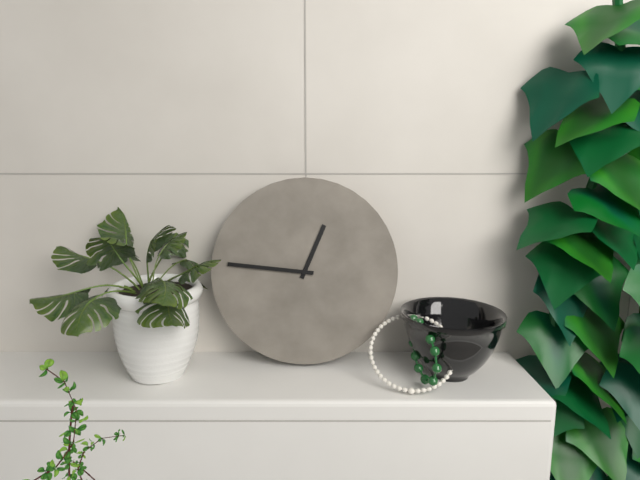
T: 12:46
